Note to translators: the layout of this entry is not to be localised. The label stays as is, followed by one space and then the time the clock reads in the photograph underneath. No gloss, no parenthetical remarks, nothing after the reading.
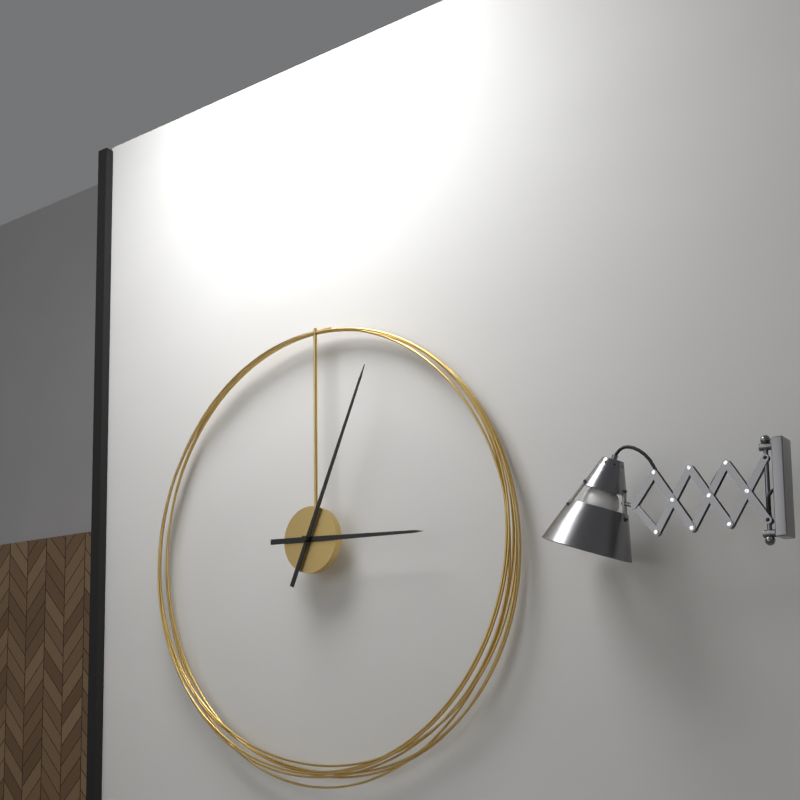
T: 3:04
